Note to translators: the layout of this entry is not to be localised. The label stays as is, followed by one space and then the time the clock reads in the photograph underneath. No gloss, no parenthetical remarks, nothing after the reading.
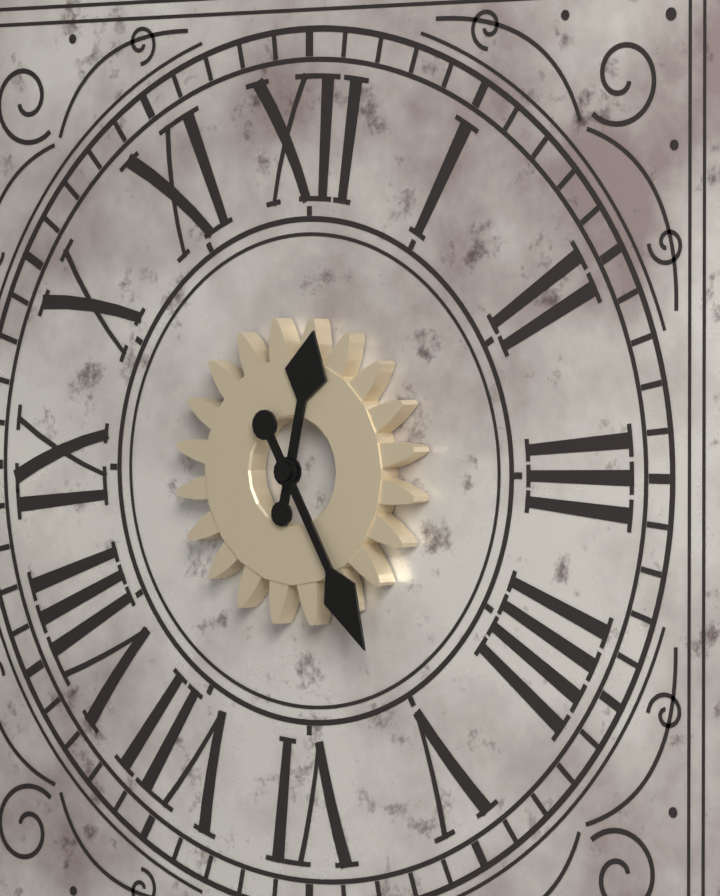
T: 12:25
